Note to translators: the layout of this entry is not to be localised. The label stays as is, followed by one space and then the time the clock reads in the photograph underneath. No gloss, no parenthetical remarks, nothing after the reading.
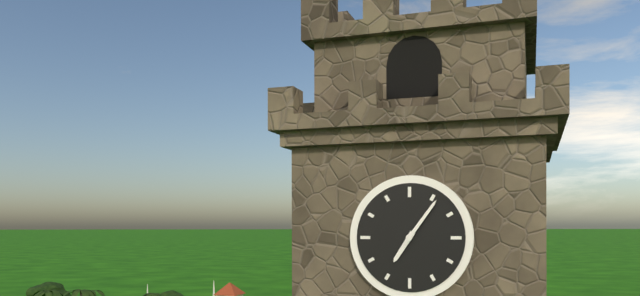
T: 7:06
